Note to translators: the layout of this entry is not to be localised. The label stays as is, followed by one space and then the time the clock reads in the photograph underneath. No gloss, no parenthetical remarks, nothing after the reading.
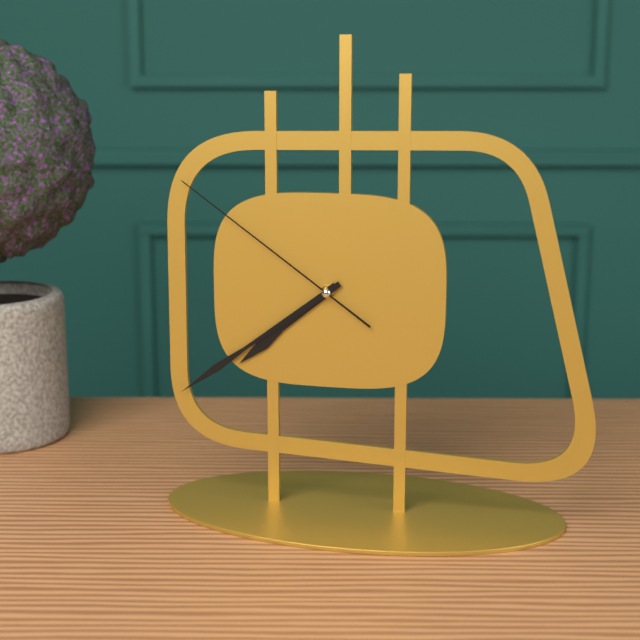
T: 7:39:51
